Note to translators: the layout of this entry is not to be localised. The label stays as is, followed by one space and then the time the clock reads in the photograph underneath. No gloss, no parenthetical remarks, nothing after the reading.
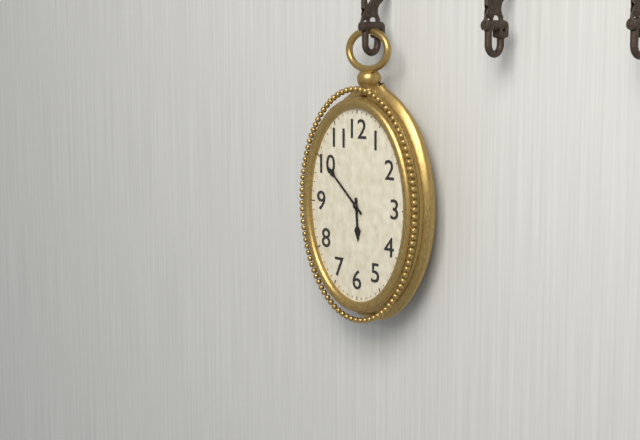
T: 5:52
